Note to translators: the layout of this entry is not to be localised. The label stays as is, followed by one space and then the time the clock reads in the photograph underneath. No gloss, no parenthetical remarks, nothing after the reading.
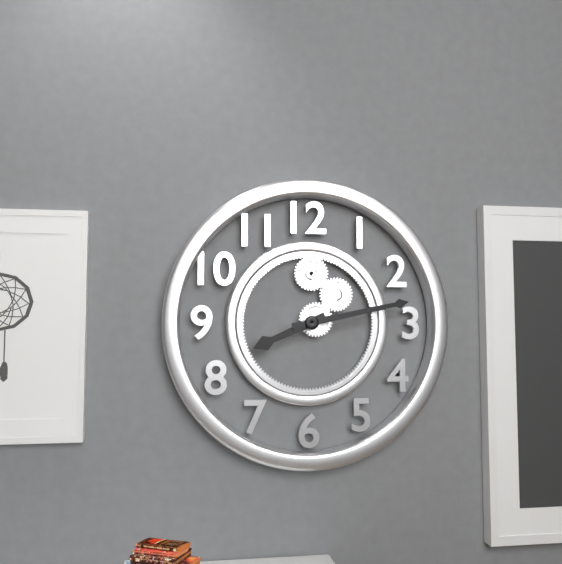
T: 8:13
